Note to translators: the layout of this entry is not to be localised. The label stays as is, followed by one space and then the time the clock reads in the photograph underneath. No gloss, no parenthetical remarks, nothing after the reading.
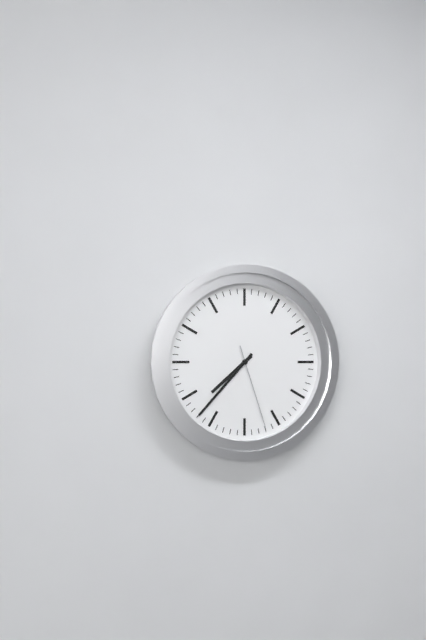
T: 7:37:27
